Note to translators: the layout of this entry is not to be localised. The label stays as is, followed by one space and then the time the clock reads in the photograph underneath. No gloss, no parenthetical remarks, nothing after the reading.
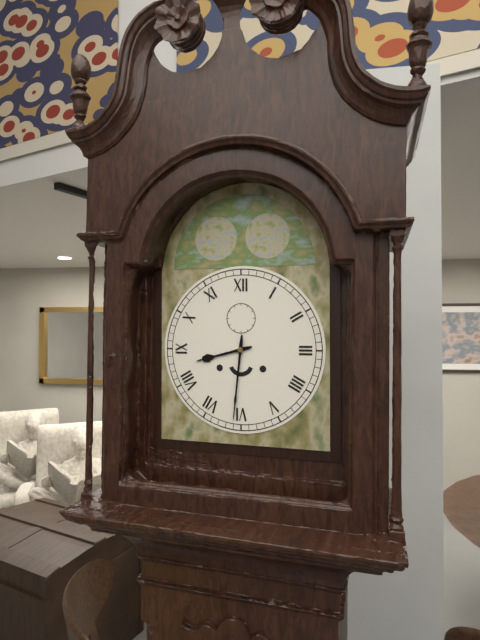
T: 8:31
